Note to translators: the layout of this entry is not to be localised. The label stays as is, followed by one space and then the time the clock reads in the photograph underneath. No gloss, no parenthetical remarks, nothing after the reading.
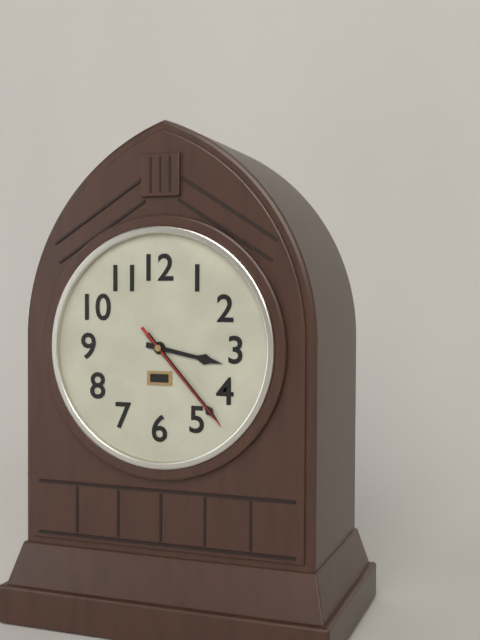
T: 3:23:23
